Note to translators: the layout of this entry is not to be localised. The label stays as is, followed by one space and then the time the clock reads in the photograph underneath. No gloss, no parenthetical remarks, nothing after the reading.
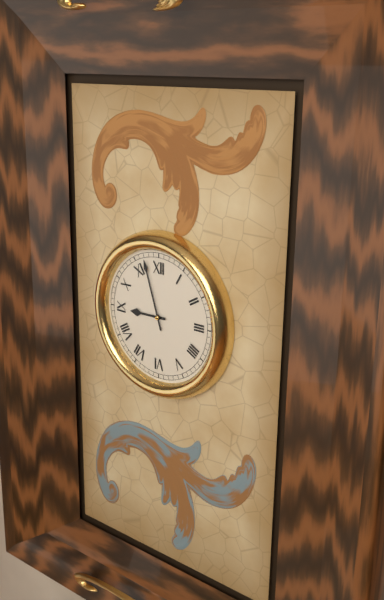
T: 8:57
